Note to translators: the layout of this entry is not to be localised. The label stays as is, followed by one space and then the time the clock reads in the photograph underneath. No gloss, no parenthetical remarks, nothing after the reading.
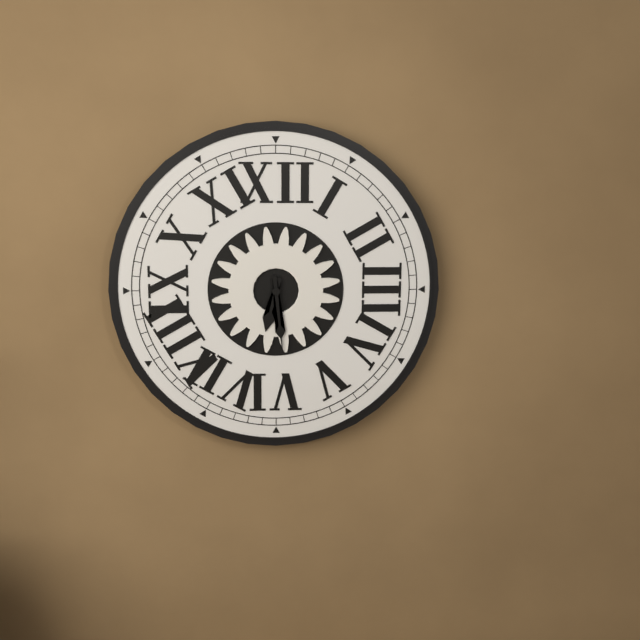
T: 6:29
